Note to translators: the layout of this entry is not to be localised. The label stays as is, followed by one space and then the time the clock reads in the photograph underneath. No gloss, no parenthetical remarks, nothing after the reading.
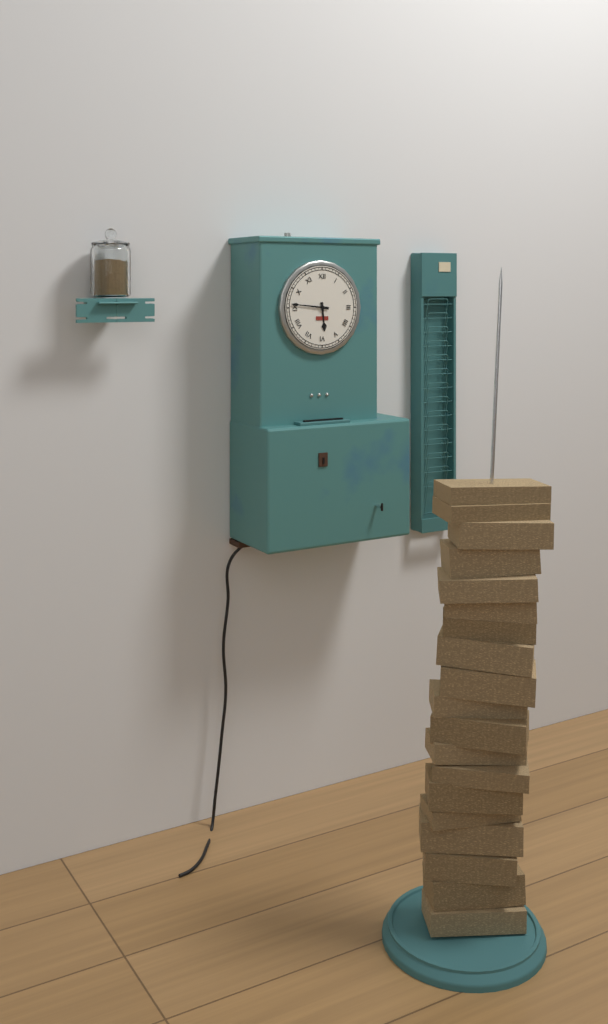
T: 5:46
